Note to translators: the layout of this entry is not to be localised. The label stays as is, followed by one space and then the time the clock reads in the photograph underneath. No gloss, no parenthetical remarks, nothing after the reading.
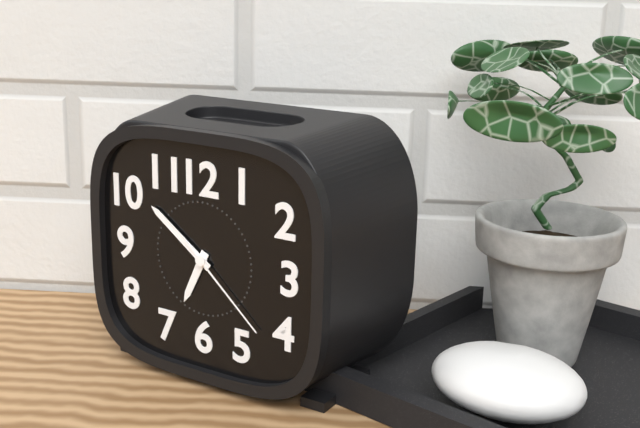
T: 6:51:22
